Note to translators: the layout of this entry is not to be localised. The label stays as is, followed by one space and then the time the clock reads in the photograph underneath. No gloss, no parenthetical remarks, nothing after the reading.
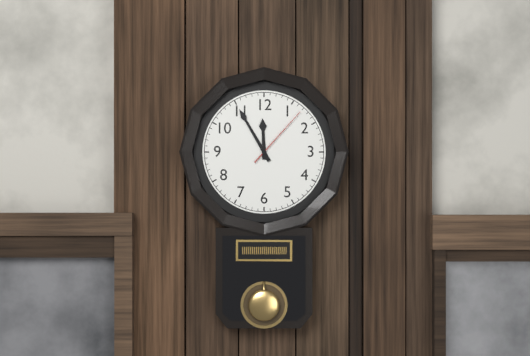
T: 11:55:07
